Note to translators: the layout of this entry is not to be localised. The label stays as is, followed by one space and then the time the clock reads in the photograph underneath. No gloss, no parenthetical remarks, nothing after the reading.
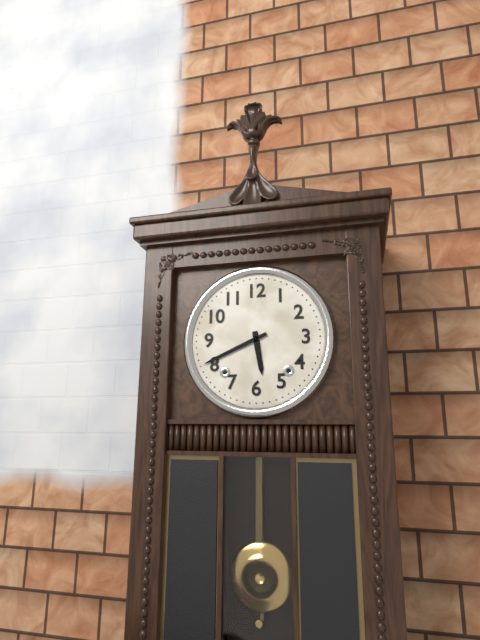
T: 5:41
